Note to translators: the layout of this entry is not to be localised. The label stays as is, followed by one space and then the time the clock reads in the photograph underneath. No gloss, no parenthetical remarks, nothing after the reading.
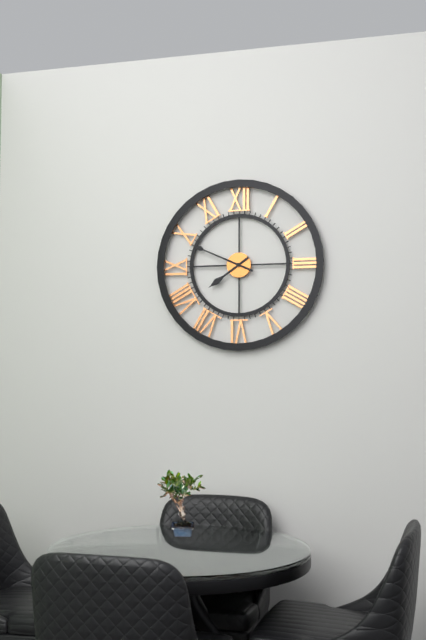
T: 7:49
